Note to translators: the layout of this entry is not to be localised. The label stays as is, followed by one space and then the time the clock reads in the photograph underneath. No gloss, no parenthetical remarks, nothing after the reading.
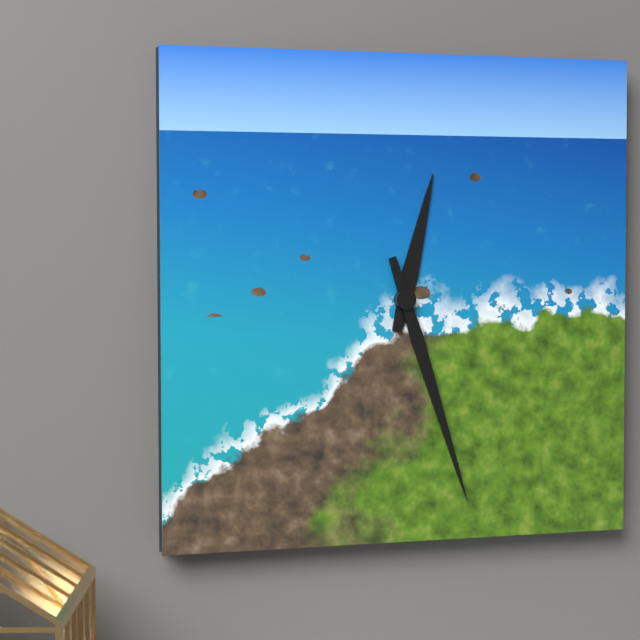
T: 12:27
